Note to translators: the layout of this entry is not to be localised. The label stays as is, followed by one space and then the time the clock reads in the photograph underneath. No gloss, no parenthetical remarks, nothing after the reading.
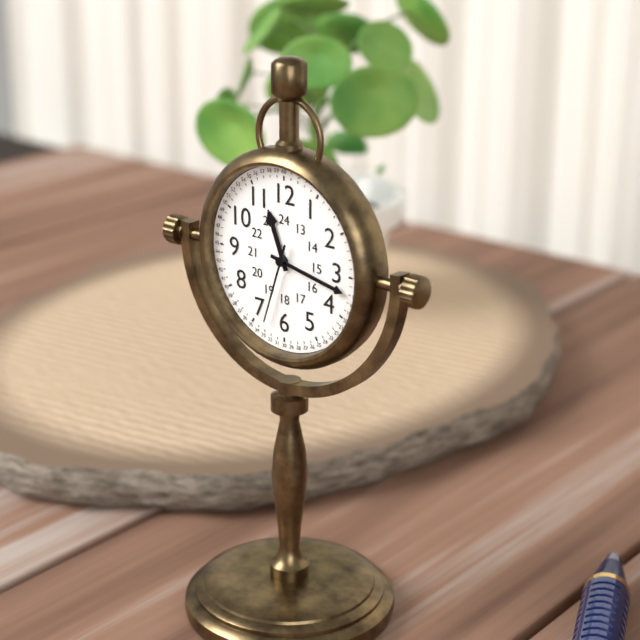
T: 11:17:33
